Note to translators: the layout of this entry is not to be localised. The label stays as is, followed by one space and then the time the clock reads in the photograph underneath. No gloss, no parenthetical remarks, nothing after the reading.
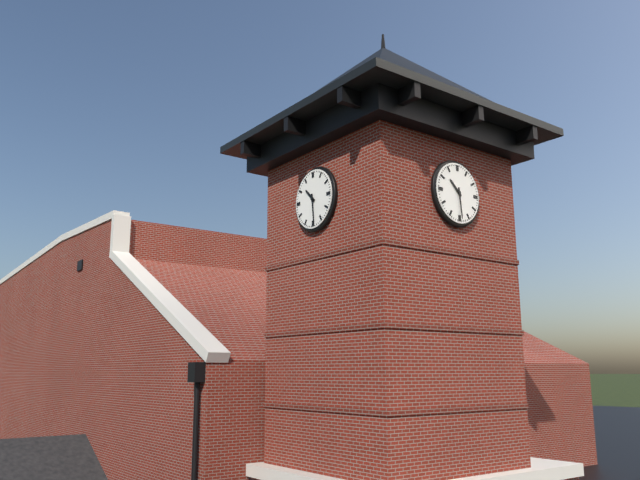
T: 10:29
